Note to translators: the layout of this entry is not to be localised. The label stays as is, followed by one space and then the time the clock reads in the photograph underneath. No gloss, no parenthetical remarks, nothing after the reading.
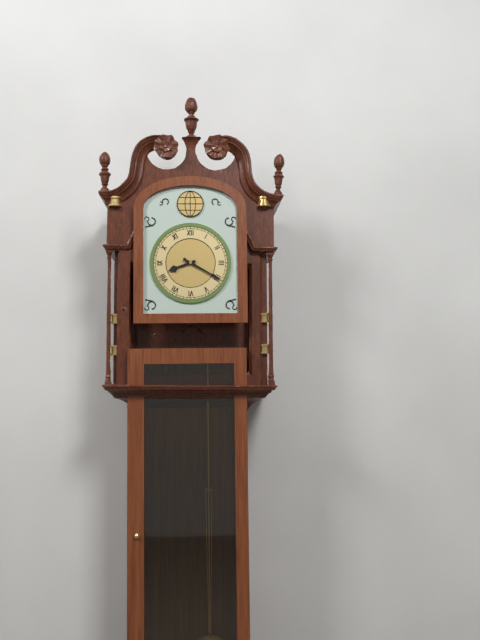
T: 8:20
